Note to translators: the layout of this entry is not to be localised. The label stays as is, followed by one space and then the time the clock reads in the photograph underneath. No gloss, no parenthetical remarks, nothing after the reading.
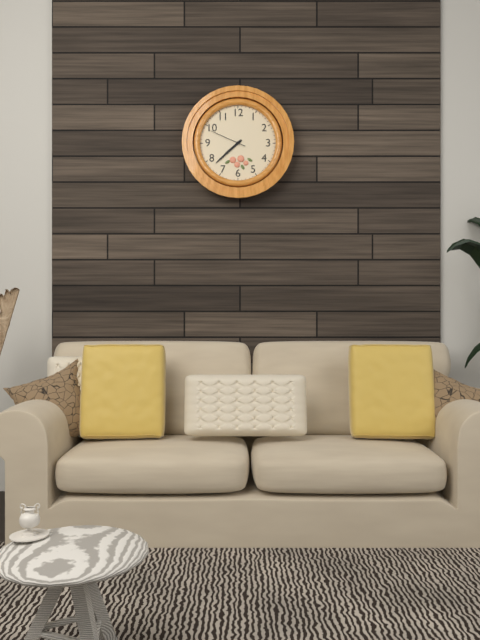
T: 7:38
